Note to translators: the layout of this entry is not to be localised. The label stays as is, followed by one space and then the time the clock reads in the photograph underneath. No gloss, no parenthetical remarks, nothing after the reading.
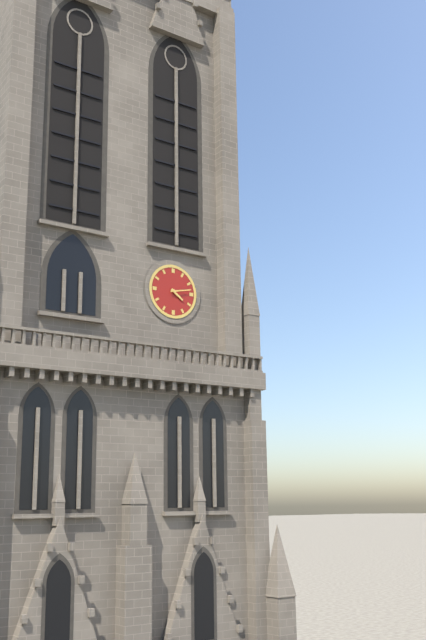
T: 4:13
